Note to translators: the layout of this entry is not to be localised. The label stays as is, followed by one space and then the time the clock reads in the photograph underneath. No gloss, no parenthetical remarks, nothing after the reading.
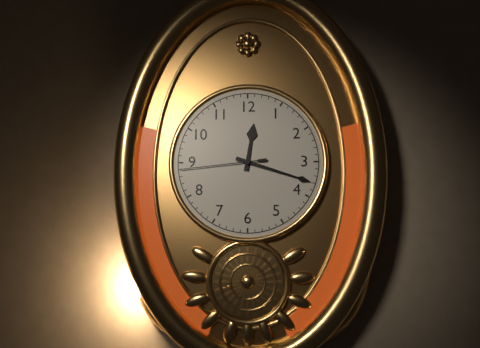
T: 12:18:44
